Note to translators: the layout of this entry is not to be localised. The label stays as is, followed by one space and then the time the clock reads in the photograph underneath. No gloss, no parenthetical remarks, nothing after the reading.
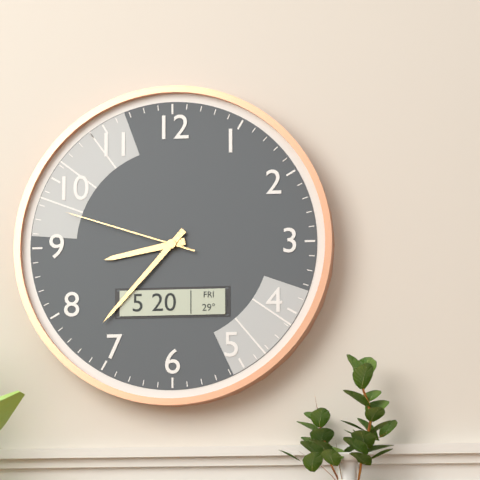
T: 8:37:48
